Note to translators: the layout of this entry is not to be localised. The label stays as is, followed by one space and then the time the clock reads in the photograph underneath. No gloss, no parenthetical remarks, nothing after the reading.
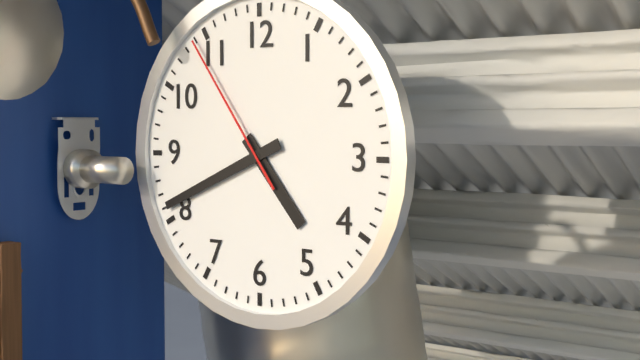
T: 4:41:54
